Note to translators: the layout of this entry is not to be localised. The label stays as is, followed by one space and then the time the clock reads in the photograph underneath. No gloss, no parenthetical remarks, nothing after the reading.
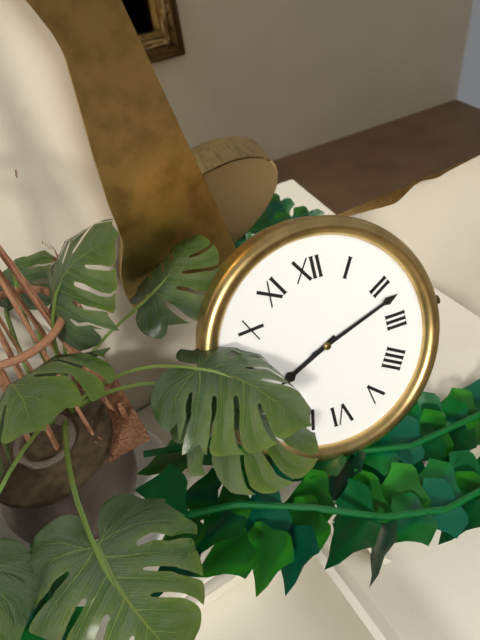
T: 8:12
